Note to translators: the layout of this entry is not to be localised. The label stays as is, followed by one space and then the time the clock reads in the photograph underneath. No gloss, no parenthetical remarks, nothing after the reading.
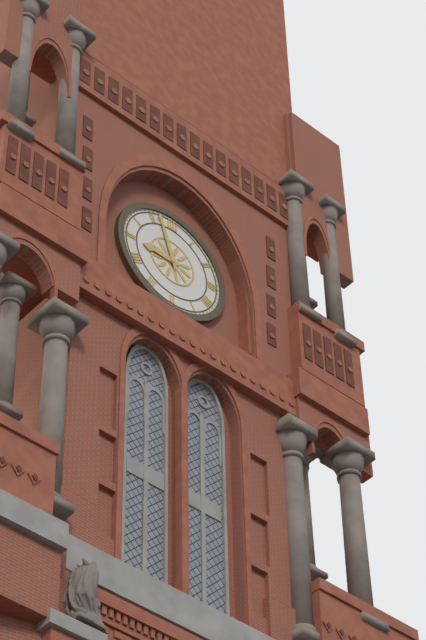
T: 8:57
